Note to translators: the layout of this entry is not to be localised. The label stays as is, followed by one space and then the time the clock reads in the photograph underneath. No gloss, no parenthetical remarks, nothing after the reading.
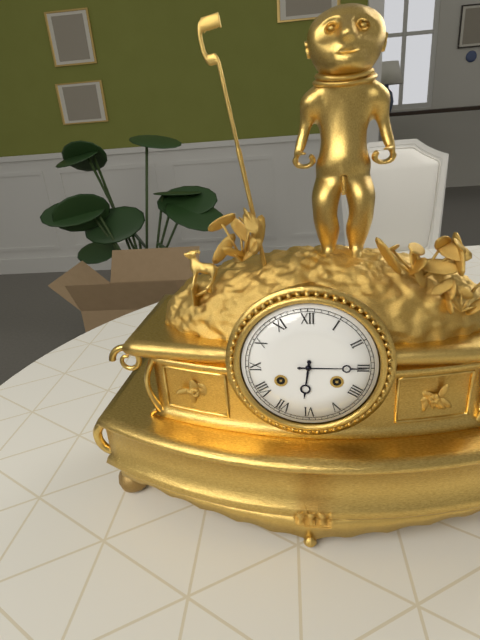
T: 6:15
